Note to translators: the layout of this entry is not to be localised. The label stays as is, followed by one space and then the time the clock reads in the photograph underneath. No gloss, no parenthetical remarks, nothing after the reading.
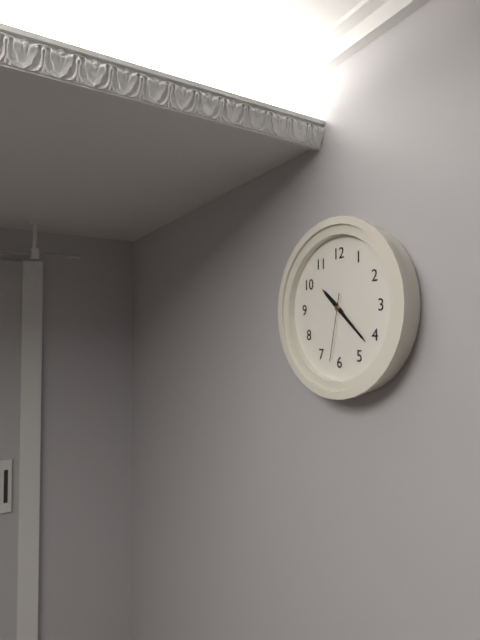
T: 10:22:32
